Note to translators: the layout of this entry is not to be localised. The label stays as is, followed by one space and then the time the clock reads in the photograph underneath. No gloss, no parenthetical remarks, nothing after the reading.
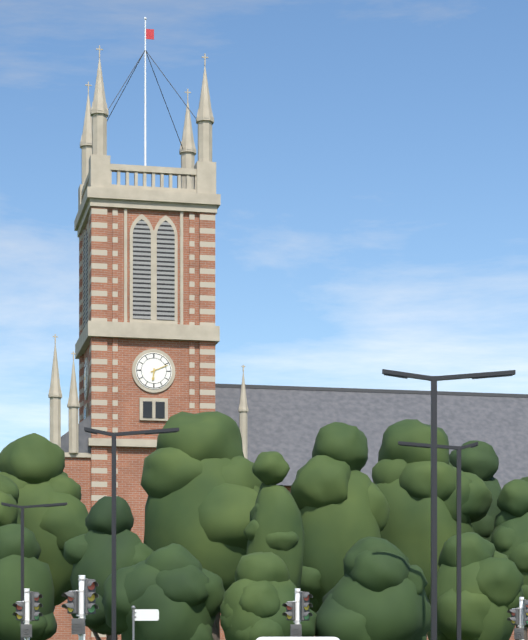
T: 6:11
